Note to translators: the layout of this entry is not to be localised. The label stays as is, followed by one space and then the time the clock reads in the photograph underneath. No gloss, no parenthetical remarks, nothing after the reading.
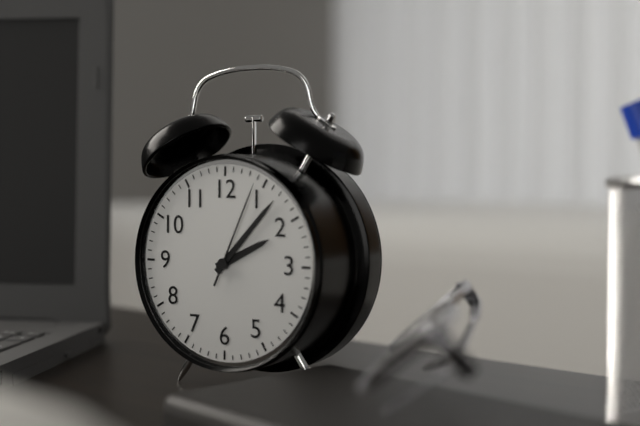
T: 2:07:04
